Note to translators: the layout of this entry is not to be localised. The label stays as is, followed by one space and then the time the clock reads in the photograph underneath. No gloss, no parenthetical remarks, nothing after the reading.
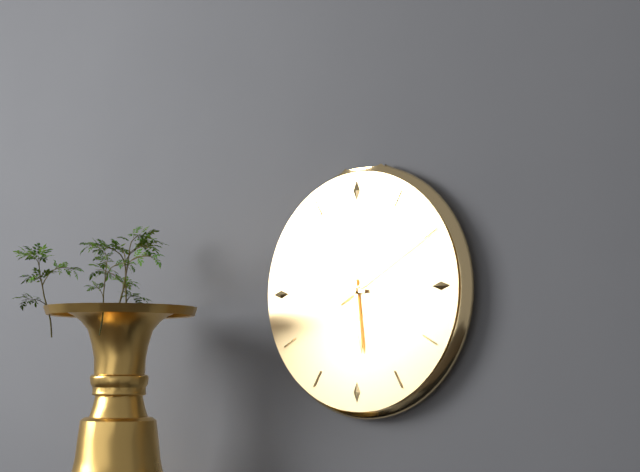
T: 5:46:10
